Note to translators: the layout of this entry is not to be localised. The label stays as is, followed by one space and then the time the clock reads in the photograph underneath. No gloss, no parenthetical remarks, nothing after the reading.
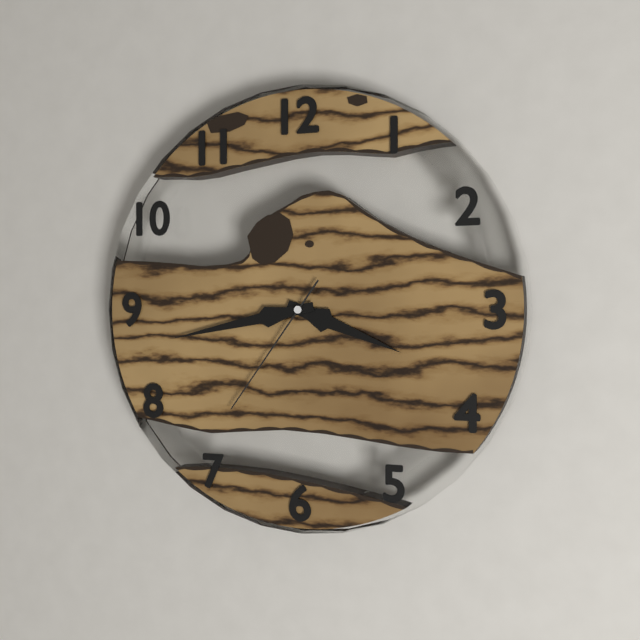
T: 3:43:36
